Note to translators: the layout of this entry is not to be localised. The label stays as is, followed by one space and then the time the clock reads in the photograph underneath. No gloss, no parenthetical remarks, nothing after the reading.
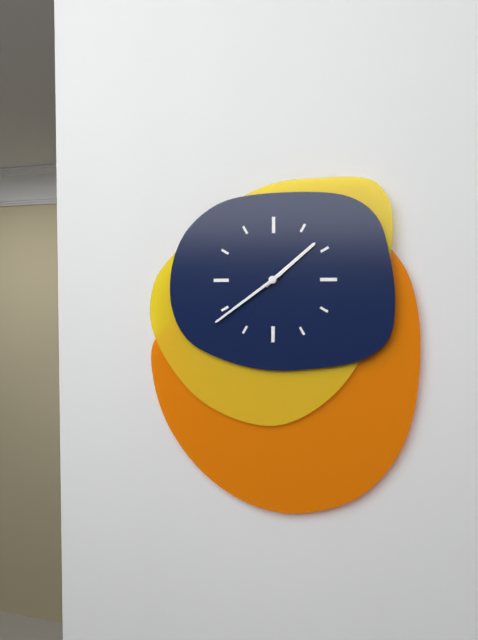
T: 1:39
